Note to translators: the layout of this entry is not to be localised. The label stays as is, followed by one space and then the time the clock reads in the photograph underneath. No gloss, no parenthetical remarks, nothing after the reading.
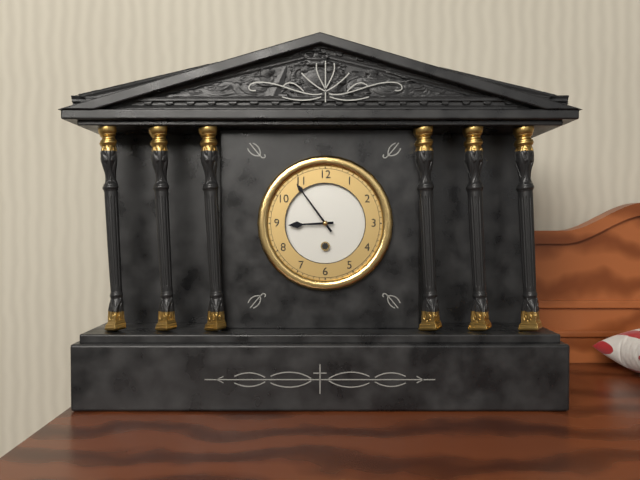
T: 8:54
